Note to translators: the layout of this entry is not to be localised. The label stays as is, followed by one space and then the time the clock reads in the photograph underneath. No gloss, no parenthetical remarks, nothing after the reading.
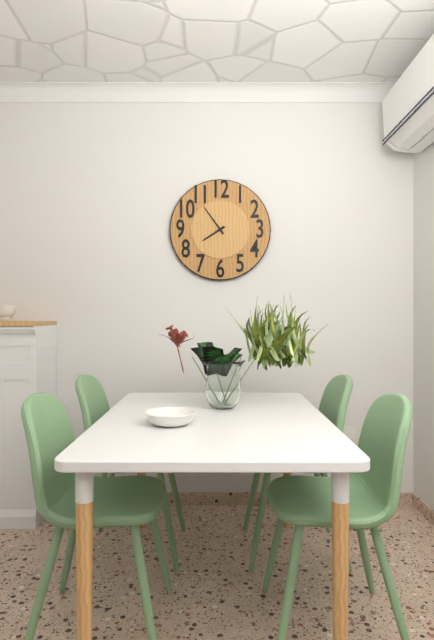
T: 7:54
